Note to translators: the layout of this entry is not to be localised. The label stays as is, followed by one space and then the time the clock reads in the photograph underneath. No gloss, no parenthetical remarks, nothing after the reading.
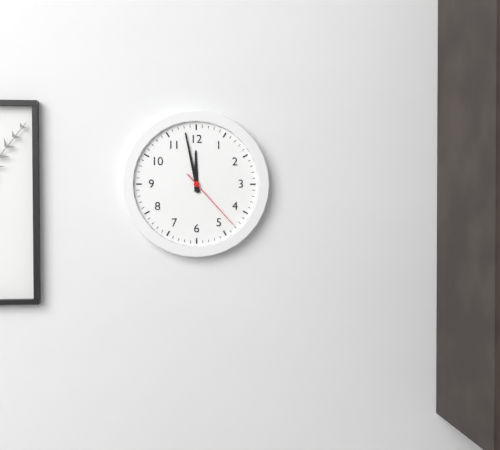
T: 11:58:23
